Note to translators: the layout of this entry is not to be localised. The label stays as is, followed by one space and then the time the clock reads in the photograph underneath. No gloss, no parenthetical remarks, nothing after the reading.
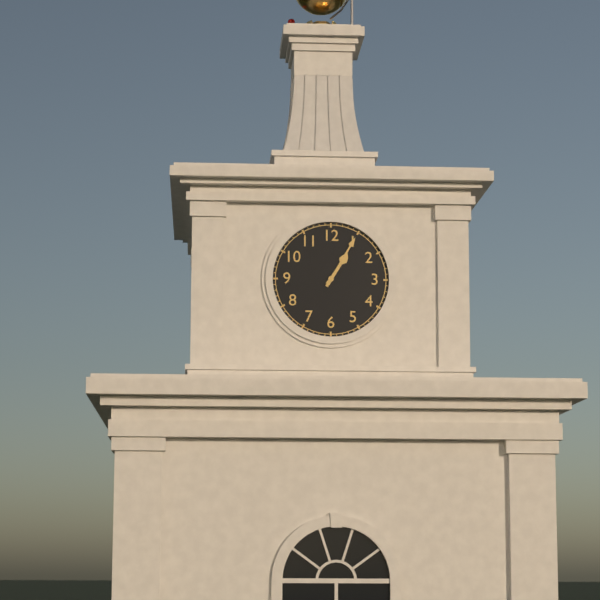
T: 1:05
